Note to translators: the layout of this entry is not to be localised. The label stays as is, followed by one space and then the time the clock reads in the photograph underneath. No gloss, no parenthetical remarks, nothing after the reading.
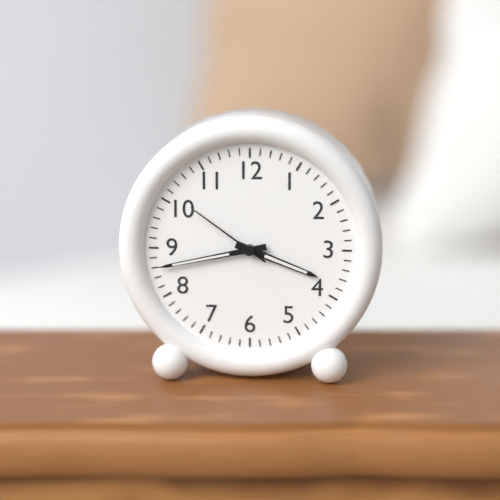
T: 3:43:51
